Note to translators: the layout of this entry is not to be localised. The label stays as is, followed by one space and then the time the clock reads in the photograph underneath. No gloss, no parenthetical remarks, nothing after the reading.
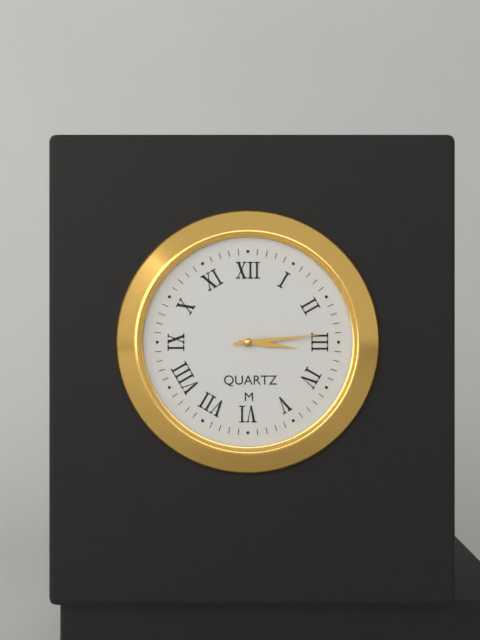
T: 3:14
